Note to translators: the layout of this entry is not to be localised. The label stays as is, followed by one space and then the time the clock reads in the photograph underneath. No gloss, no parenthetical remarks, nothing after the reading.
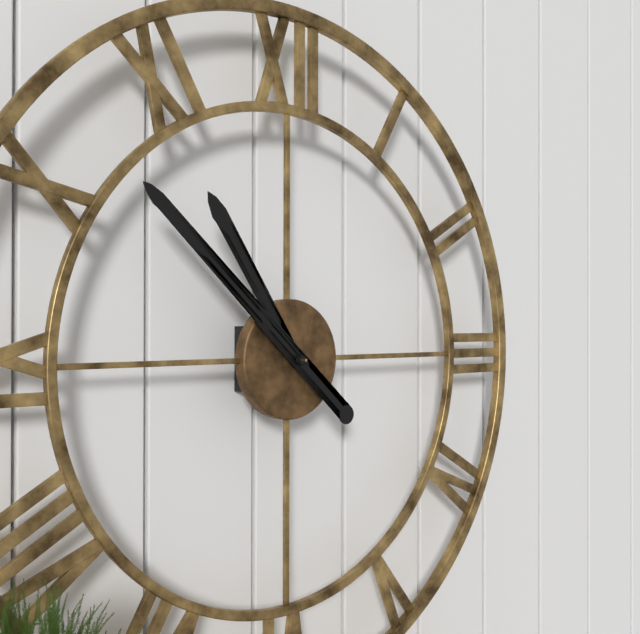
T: 10:52
